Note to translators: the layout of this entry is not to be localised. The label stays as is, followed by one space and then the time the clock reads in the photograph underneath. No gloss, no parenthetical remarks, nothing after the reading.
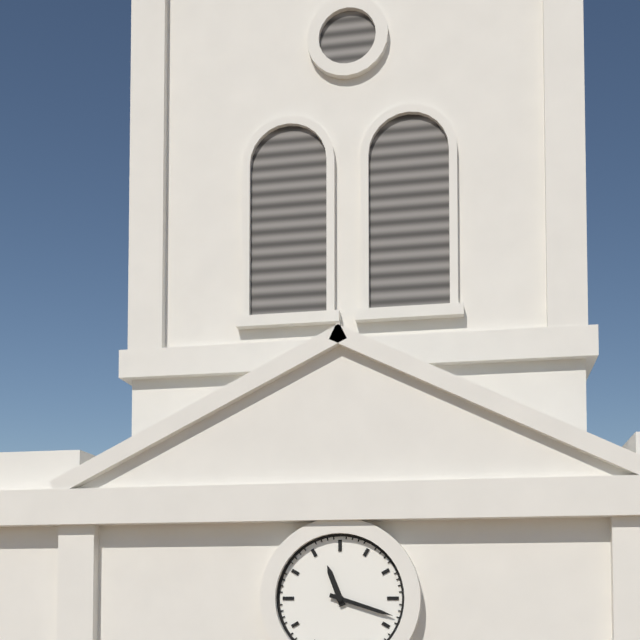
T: 11:18
